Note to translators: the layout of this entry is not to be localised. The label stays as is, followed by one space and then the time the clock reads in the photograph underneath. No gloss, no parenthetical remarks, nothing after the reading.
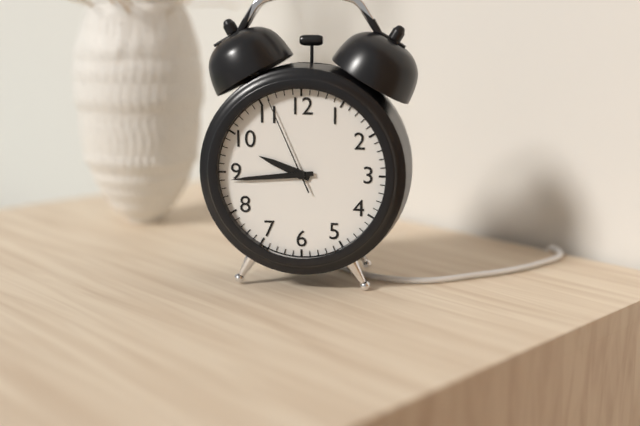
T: 9:44:56
